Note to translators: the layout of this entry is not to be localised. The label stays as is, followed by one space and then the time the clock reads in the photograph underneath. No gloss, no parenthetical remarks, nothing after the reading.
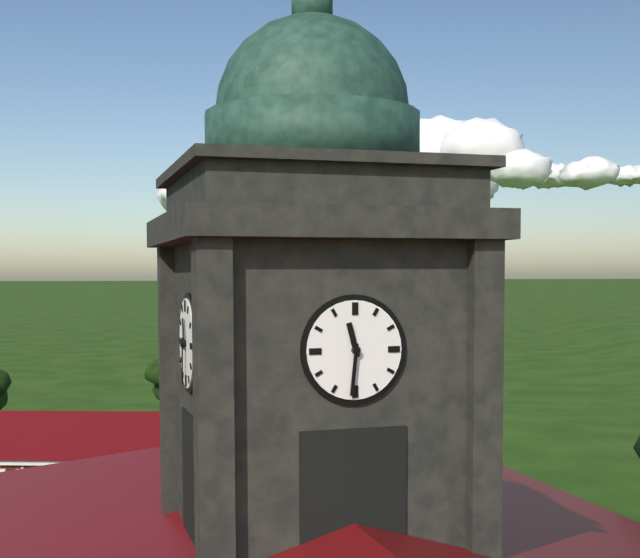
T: 11:31
